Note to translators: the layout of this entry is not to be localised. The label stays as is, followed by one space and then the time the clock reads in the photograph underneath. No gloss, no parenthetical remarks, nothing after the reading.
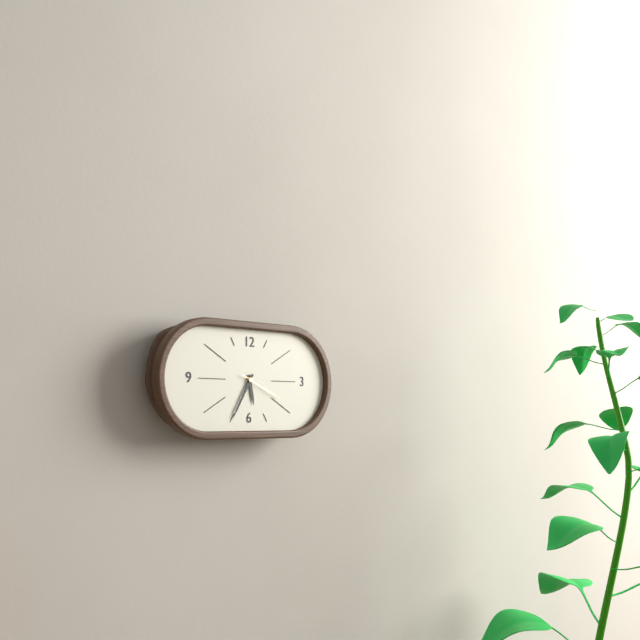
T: 5:35
